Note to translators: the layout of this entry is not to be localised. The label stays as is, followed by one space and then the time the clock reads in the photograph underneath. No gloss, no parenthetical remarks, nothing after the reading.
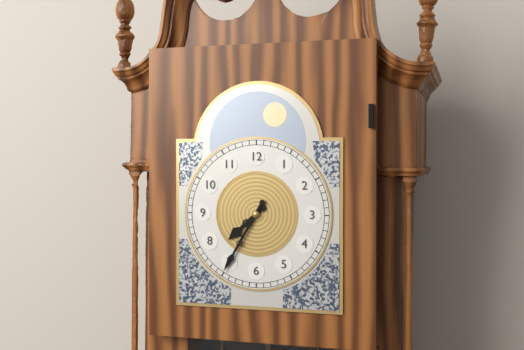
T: 7:35
